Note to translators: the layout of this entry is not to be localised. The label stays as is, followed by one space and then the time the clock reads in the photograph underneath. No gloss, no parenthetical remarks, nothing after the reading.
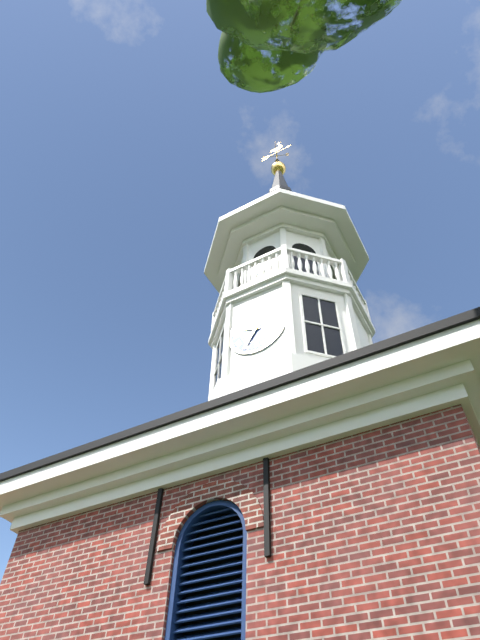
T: 9:35
